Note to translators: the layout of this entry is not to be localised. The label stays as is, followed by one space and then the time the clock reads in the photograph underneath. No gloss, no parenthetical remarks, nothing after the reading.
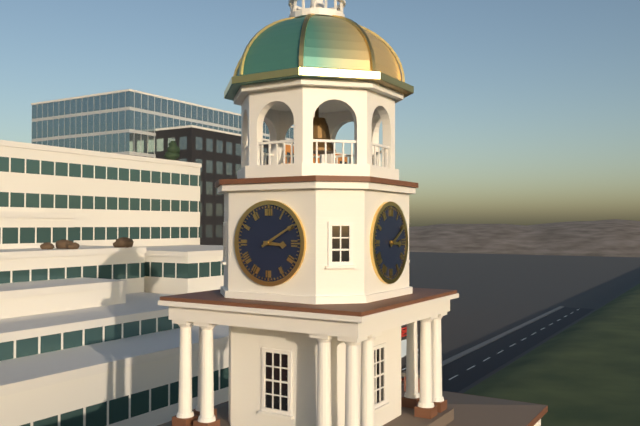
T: 3:10
